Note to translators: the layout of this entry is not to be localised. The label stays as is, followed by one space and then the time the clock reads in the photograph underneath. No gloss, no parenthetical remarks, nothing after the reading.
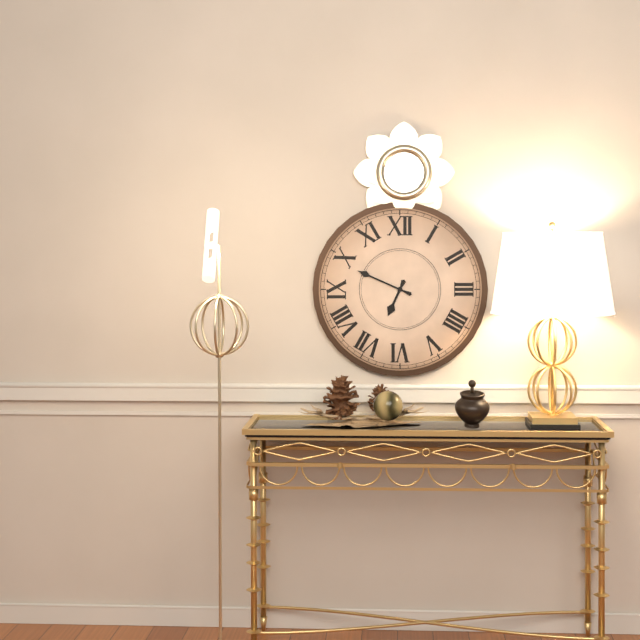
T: 6:49
